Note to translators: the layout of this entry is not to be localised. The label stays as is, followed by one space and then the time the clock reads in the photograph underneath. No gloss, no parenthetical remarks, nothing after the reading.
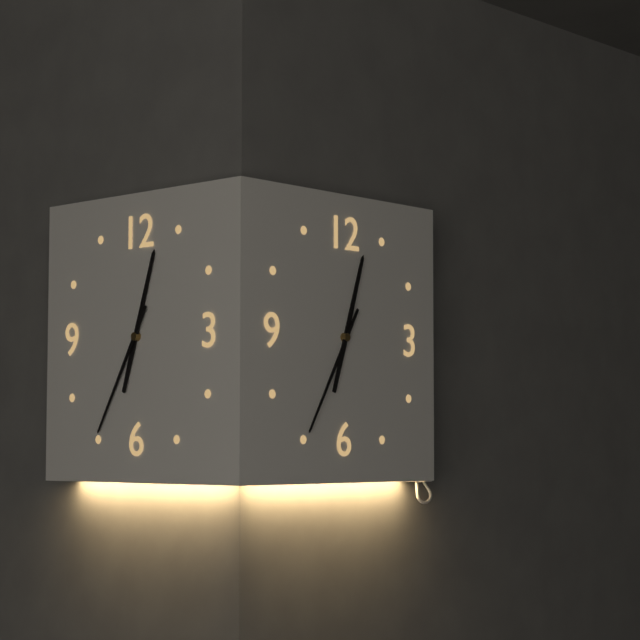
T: 12:35
